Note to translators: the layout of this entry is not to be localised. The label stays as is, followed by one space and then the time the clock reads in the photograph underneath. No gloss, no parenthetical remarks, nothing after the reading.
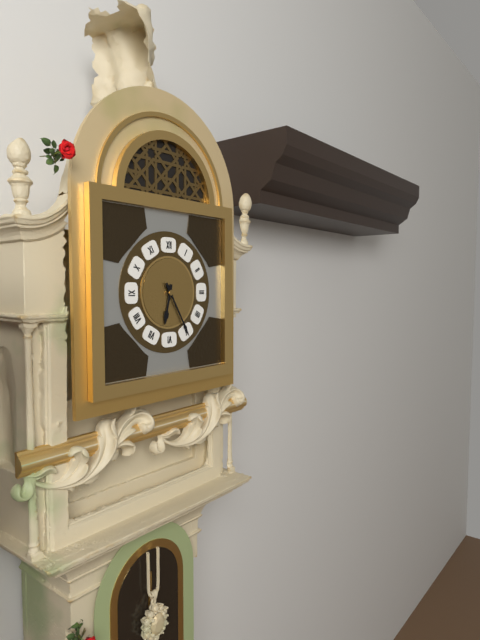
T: 6:25
